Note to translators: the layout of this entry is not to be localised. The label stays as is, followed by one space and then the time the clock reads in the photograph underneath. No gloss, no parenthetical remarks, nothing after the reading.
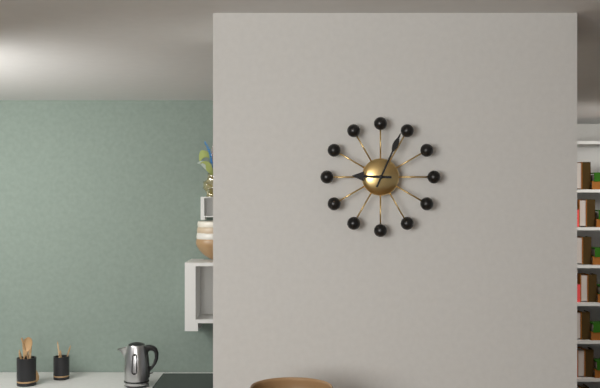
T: 9:04
